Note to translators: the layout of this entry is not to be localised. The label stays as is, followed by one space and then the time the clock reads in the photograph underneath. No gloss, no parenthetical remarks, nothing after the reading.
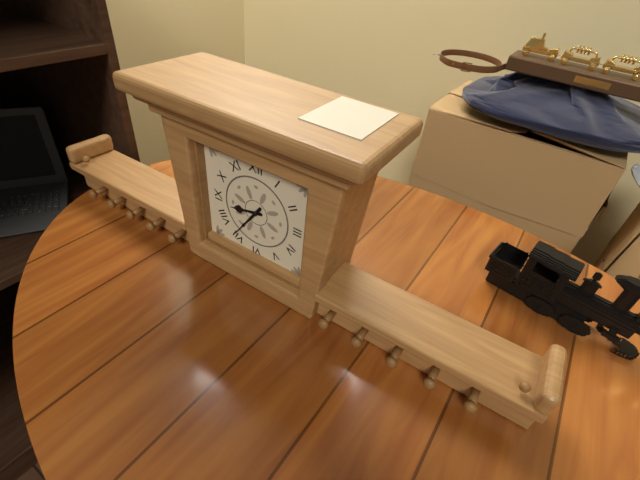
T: 8:36
